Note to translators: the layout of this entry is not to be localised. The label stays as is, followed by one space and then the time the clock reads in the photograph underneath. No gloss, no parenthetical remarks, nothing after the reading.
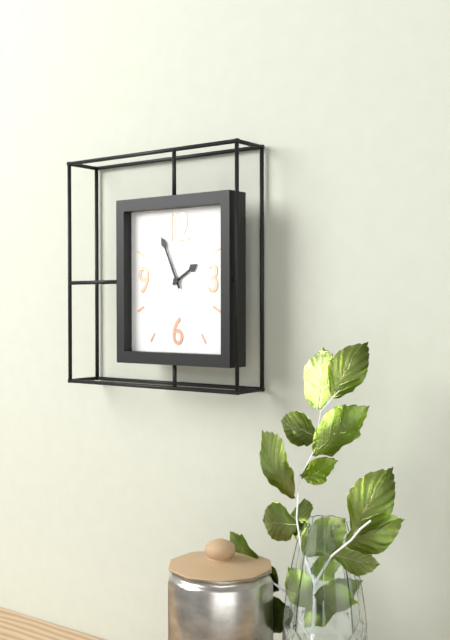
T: 1:56
